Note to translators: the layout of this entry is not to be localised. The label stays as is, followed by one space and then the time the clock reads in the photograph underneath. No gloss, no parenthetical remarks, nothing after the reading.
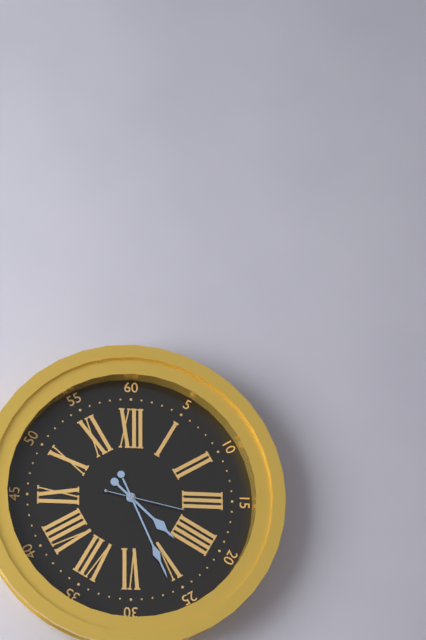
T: 4:26:17
